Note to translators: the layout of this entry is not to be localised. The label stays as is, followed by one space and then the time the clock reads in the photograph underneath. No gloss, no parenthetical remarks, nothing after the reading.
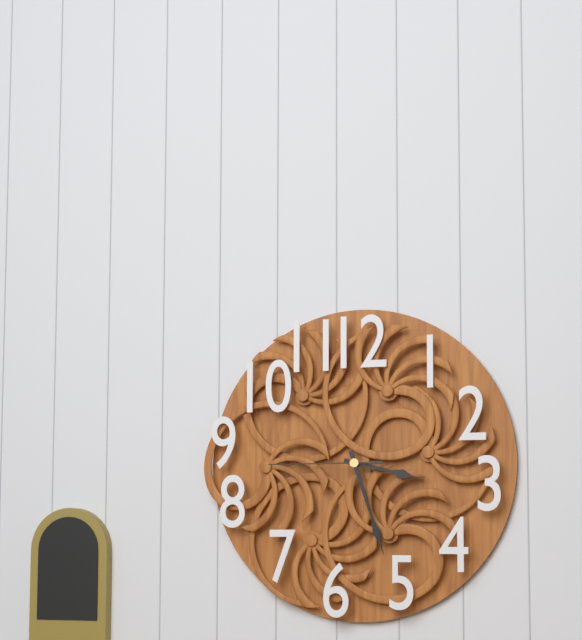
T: 3:27:45
